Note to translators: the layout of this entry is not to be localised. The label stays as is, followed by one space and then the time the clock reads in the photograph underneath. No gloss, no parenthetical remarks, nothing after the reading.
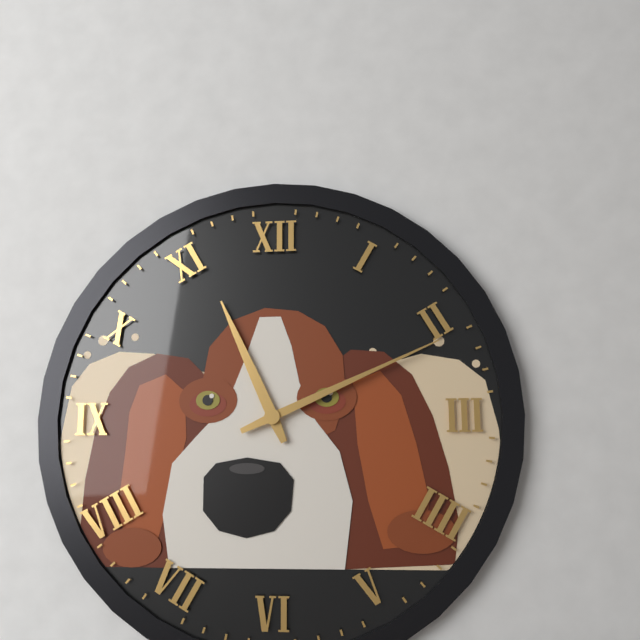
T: 11:11
